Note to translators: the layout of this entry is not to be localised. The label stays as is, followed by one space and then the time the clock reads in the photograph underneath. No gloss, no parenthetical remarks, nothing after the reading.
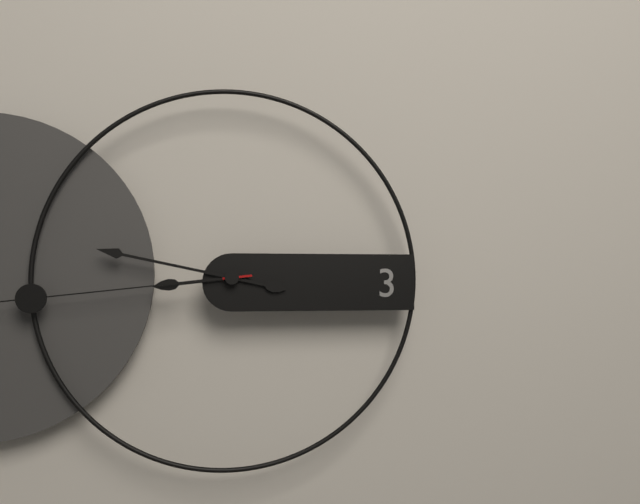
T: 8:47
